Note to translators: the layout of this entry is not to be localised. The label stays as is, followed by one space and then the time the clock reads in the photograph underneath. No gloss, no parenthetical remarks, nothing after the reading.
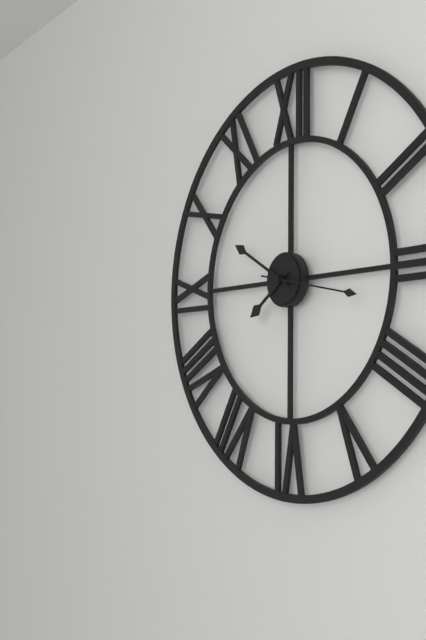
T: 7:50:17
